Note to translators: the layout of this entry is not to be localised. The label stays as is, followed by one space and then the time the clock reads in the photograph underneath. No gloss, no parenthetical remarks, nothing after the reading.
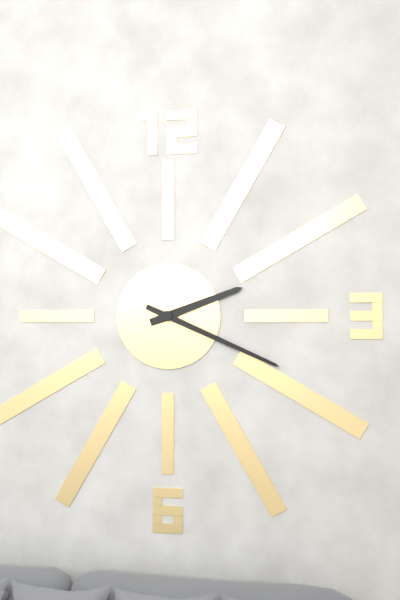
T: 2:19
